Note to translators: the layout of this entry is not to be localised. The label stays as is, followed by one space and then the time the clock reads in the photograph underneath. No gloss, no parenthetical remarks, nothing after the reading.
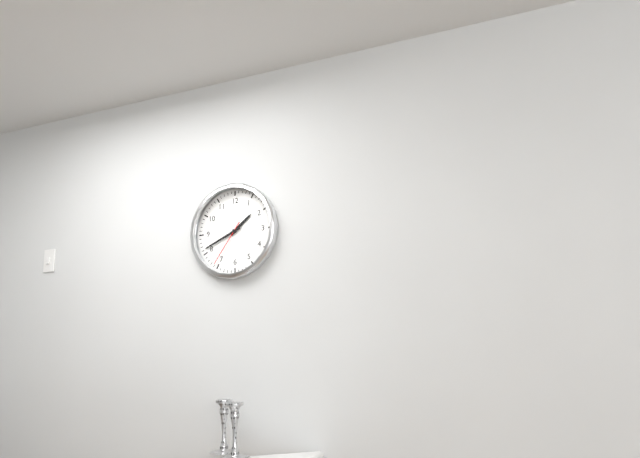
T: 1:41
